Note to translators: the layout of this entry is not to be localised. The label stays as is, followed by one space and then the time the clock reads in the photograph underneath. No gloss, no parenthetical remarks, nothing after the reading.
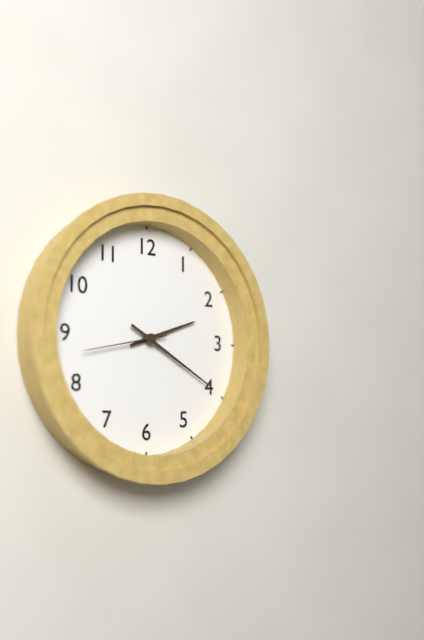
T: 2:20:43
